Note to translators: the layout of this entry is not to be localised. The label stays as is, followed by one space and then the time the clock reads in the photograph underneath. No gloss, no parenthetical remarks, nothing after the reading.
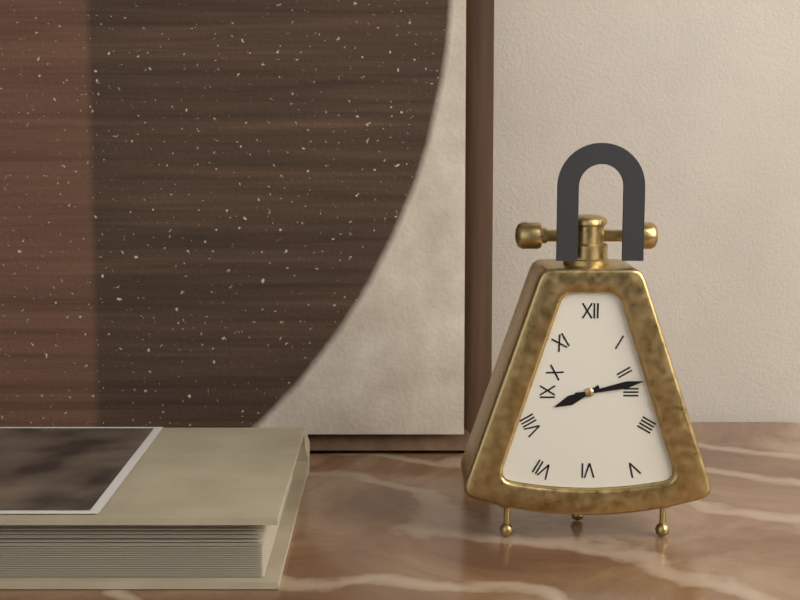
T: 8:13
